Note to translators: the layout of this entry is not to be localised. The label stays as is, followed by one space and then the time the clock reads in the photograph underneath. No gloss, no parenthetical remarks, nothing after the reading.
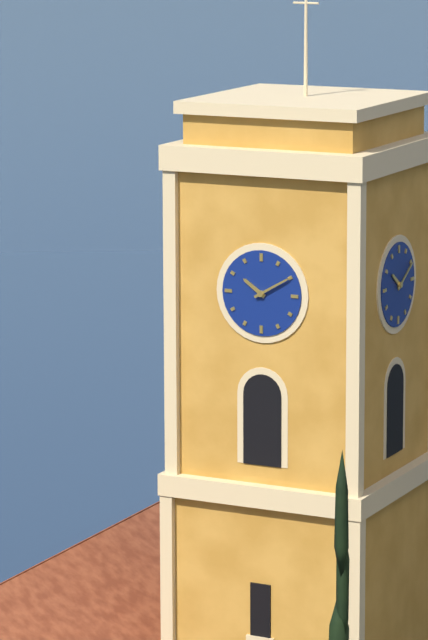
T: 10:10
